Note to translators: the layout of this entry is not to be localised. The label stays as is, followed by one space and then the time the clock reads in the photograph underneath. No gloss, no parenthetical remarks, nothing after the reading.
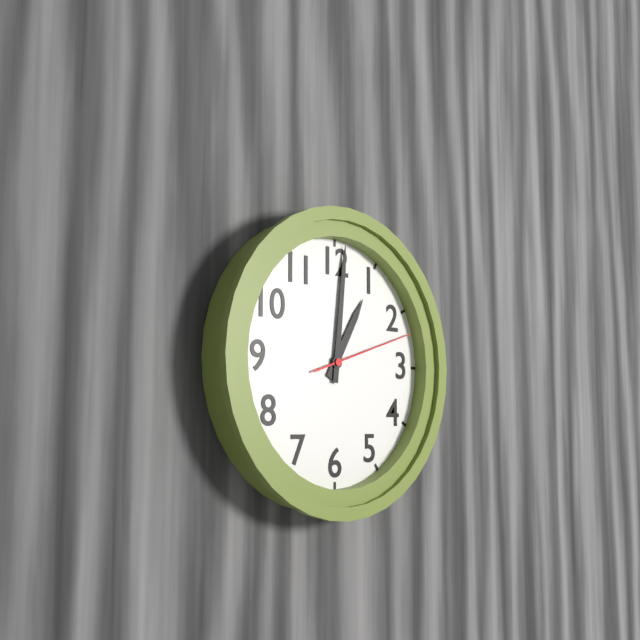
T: 1:01:12
